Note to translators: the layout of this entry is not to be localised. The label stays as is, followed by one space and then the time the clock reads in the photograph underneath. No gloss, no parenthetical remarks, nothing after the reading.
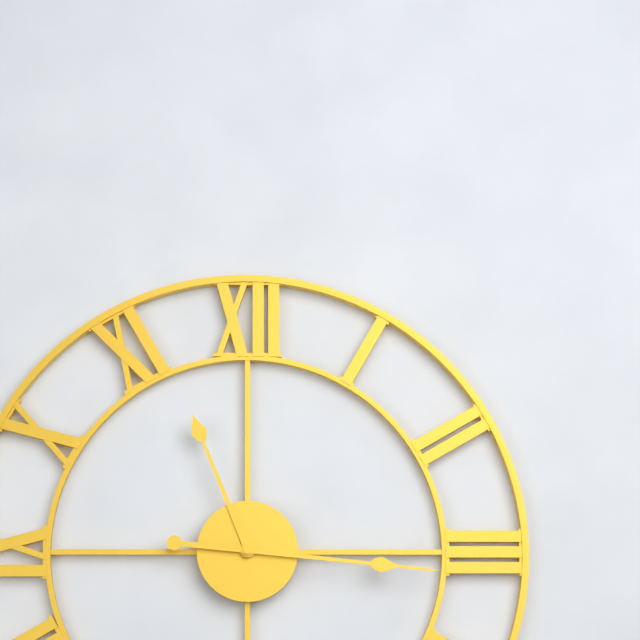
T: 11:16
